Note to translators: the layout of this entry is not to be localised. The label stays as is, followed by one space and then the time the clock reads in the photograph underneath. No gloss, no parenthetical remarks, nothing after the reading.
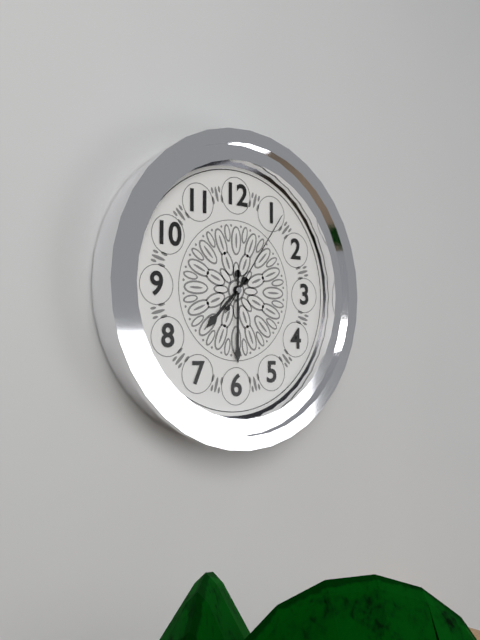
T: 7:30:06
